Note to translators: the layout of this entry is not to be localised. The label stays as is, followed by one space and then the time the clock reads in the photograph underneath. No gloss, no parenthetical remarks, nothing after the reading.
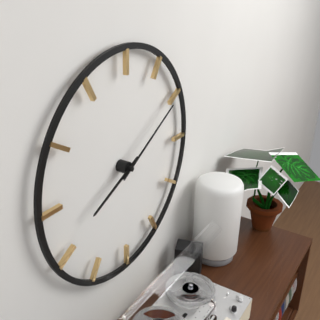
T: 8:10
